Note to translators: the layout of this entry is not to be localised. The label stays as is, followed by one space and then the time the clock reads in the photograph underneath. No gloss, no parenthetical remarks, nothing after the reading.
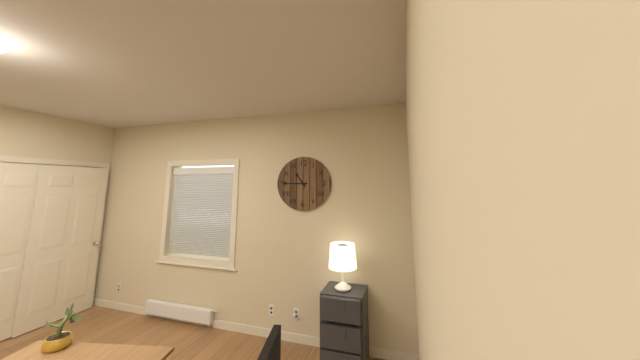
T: 10:45
